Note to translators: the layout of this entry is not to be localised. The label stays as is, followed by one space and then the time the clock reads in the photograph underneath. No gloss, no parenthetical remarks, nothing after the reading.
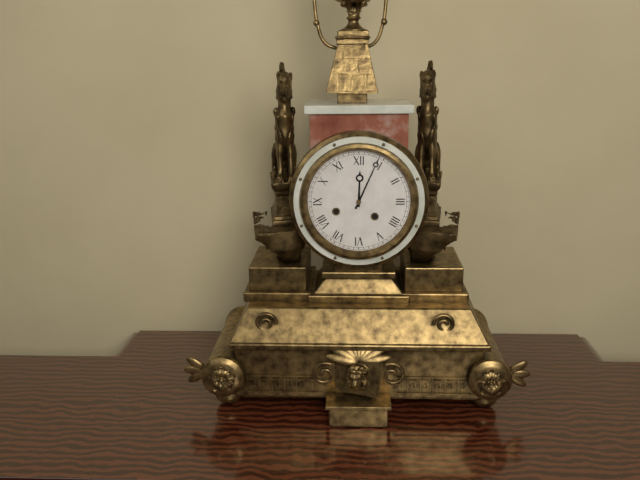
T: 12:04
